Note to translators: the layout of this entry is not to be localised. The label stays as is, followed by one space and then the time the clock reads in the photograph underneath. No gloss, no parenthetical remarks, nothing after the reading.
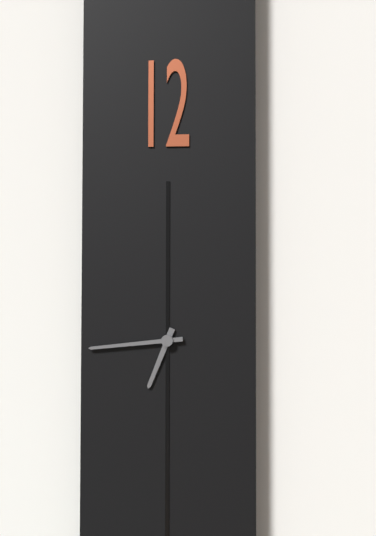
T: 6:44
